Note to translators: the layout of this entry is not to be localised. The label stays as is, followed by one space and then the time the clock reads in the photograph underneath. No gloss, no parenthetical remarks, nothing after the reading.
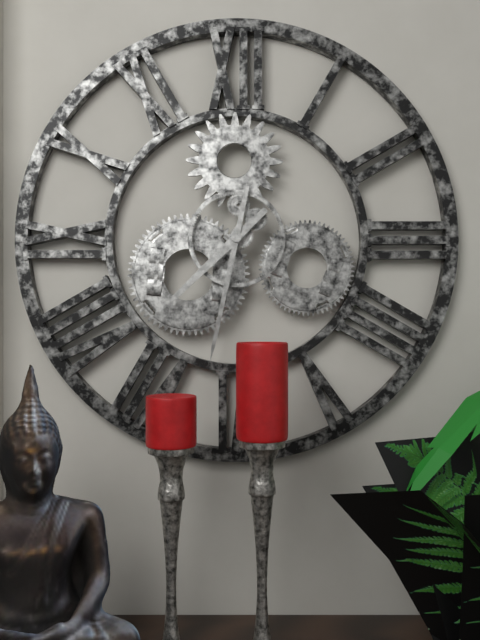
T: 7:32
